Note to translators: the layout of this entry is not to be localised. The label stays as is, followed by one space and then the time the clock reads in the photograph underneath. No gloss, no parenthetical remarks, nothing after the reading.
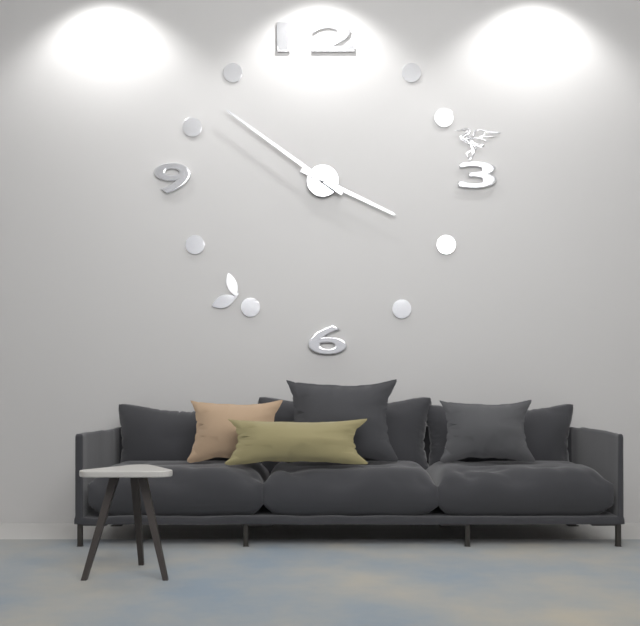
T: 3:51
